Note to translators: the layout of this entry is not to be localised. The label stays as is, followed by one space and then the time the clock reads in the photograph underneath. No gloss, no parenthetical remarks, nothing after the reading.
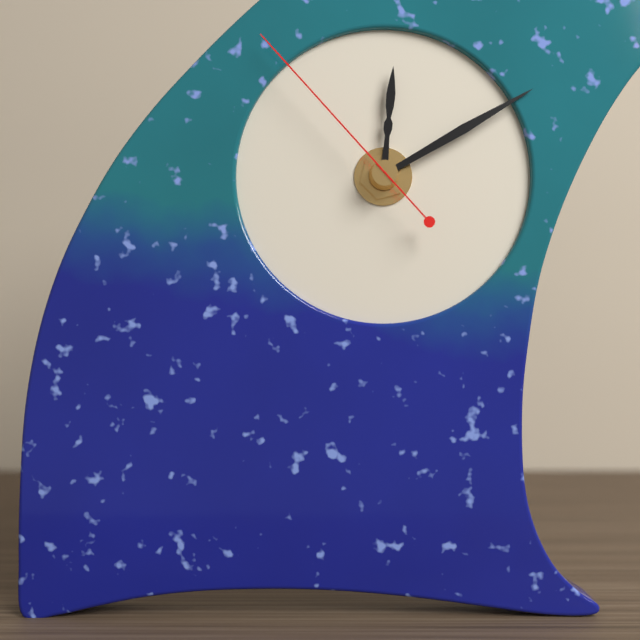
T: 12:10:53
